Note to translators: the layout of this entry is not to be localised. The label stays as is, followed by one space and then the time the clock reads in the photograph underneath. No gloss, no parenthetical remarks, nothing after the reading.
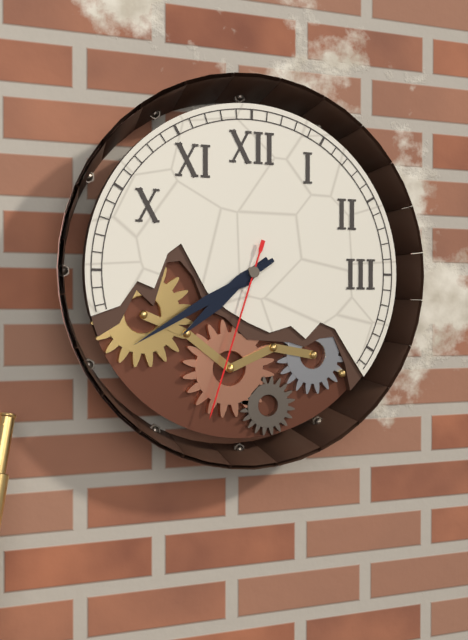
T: 7:40:33
